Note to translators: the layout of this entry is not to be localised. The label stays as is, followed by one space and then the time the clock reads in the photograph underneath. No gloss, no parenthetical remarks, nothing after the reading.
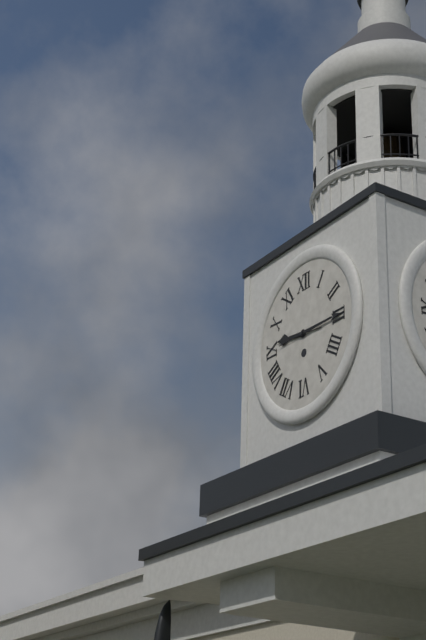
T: 9:15
